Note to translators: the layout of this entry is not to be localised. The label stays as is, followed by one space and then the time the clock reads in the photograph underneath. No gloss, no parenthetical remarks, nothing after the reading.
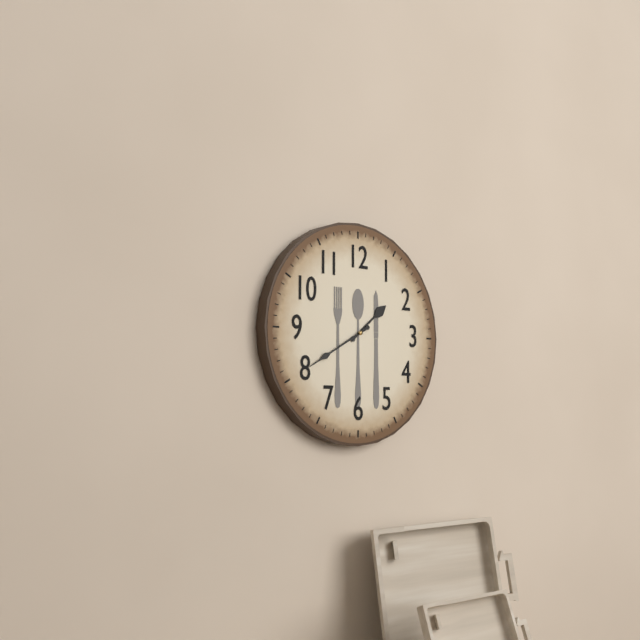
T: 1:40
